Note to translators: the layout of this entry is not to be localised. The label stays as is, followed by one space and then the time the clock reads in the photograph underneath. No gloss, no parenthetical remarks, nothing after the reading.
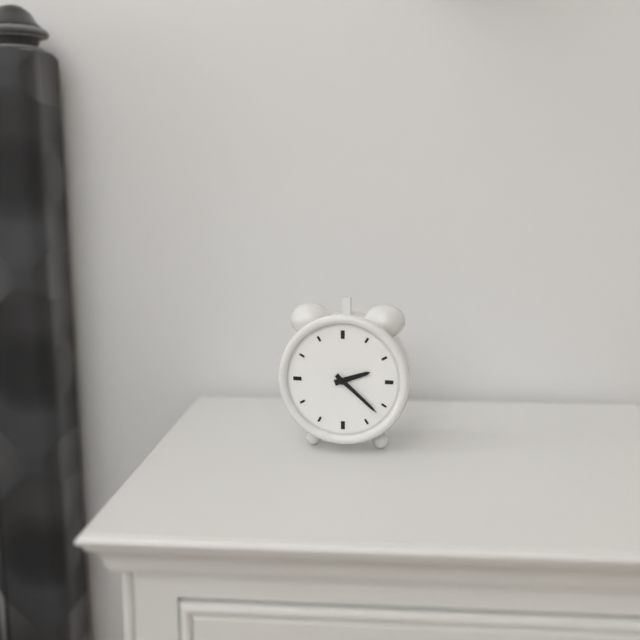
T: 2:22
